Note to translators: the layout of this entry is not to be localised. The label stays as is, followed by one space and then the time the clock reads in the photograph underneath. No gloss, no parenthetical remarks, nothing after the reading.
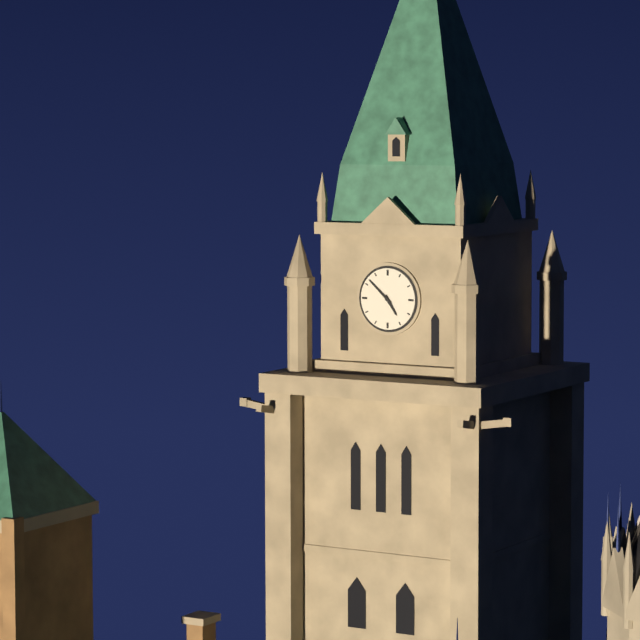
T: 4:52
